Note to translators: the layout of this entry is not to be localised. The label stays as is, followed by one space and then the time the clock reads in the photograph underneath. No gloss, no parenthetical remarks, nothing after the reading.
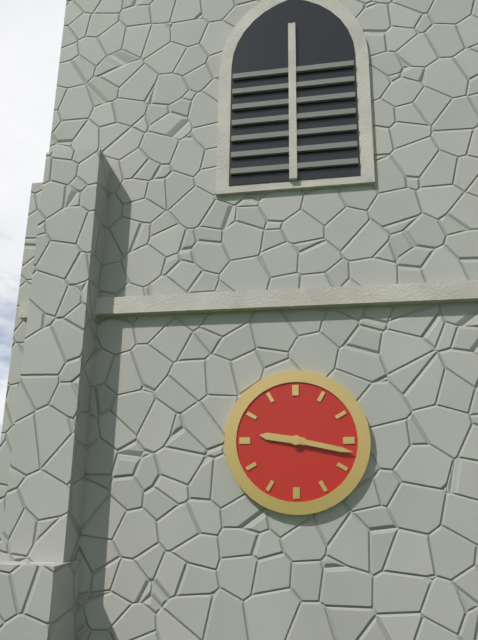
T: 9:17
